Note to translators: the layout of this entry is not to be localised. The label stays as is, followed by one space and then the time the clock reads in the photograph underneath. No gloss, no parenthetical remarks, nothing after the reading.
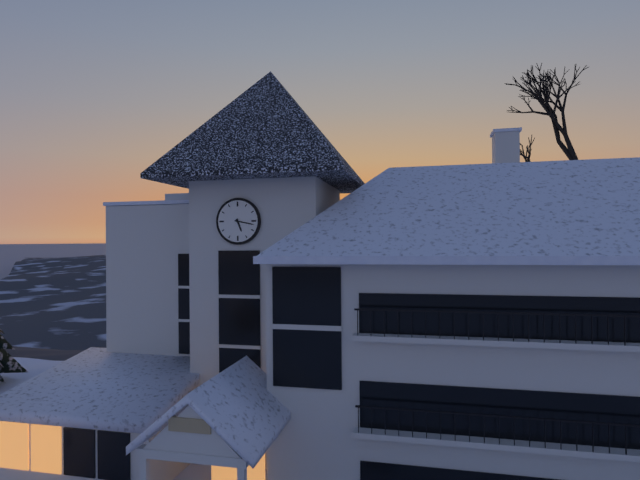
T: 5:17
